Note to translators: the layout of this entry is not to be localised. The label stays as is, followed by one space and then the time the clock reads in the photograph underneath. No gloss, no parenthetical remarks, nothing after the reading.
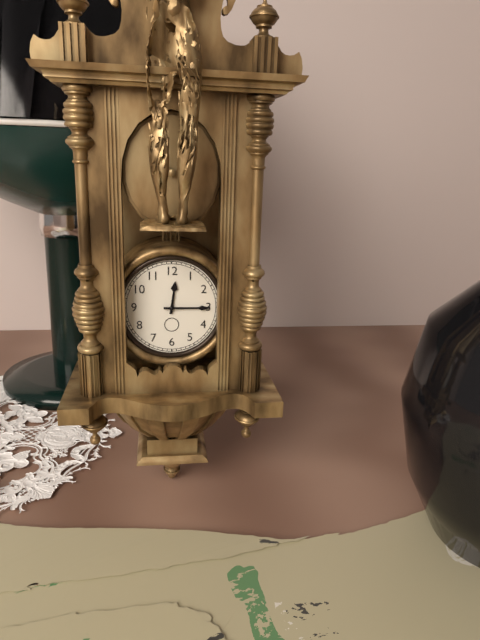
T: 12:15
